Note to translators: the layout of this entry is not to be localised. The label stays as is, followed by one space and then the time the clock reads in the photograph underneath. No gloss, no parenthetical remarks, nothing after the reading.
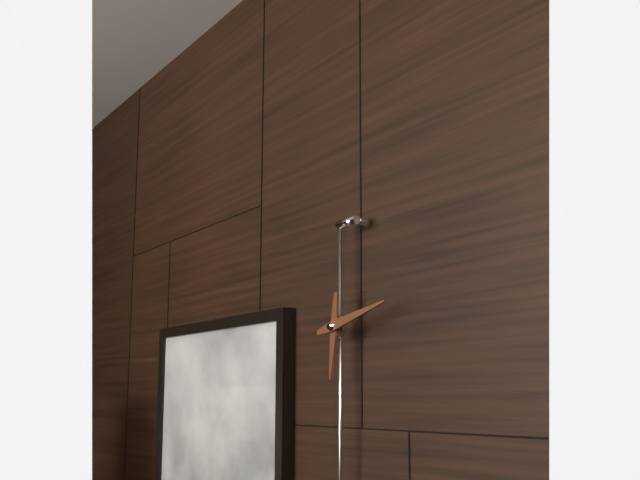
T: 6:13
